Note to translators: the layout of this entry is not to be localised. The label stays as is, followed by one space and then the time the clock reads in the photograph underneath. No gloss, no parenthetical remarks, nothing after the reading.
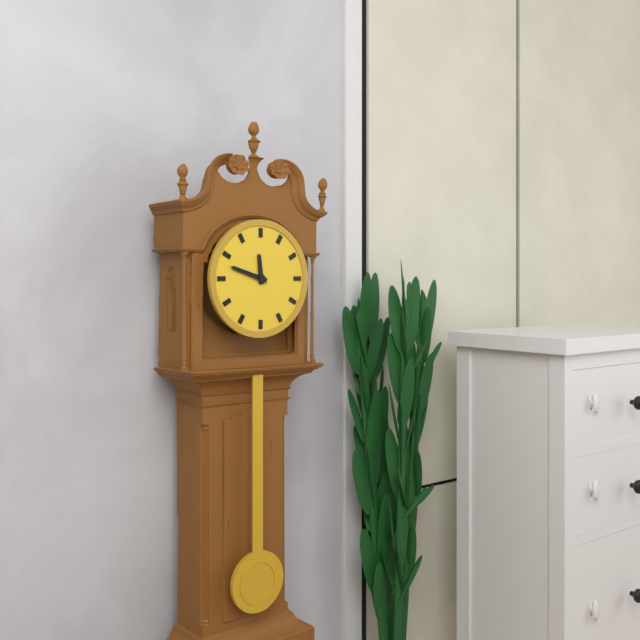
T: 11:48
